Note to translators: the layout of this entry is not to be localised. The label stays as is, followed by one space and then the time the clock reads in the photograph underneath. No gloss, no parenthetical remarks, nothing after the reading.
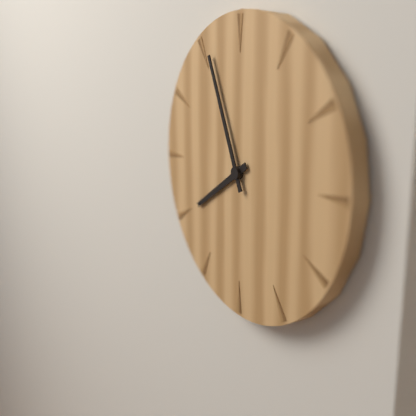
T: 7:56
